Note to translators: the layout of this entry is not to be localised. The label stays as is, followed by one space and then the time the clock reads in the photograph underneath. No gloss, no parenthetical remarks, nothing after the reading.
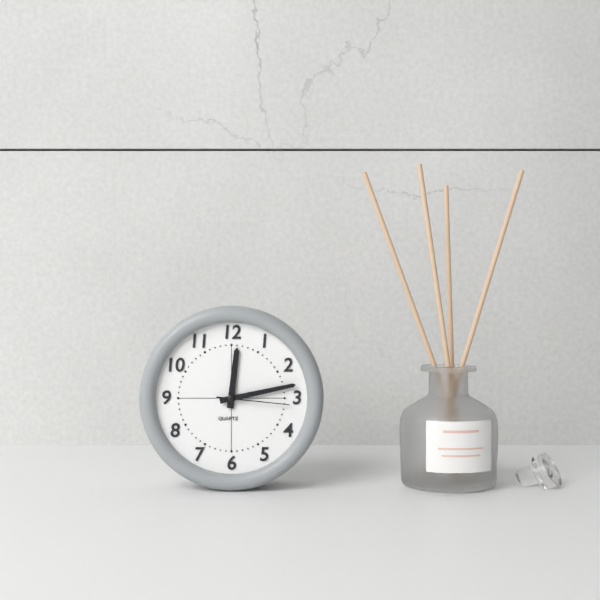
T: 12:13:16
